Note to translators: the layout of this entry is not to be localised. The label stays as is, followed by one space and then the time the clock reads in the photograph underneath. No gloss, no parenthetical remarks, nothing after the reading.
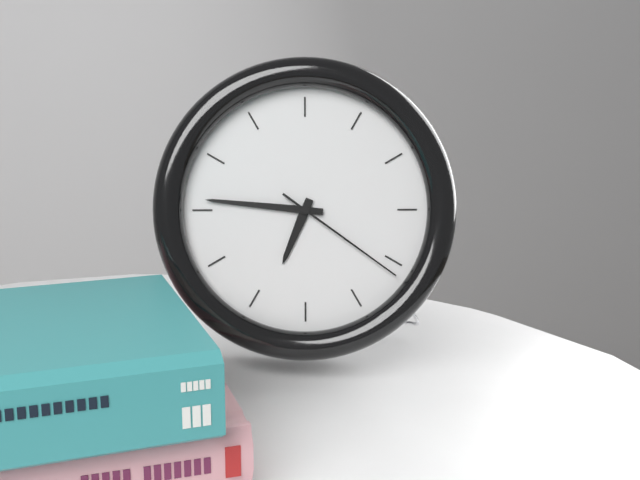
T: 6:46:21
